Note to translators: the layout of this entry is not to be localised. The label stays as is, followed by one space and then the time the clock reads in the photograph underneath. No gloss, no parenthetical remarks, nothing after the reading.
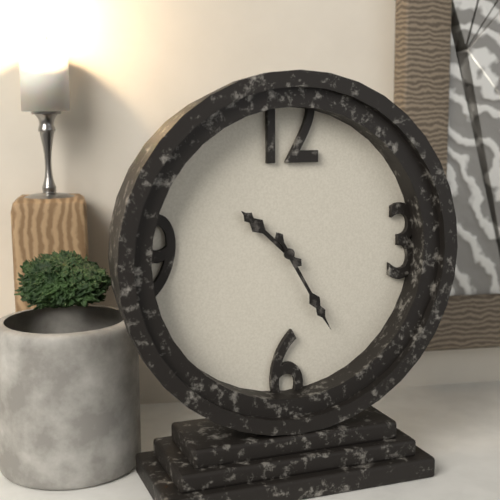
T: 10:25
